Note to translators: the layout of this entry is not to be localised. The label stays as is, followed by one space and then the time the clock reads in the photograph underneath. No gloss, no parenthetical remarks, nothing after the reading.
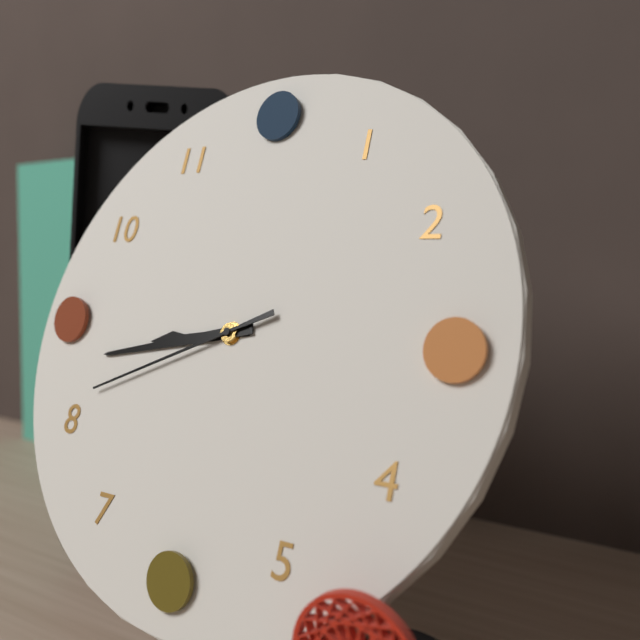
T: 8:43:41
